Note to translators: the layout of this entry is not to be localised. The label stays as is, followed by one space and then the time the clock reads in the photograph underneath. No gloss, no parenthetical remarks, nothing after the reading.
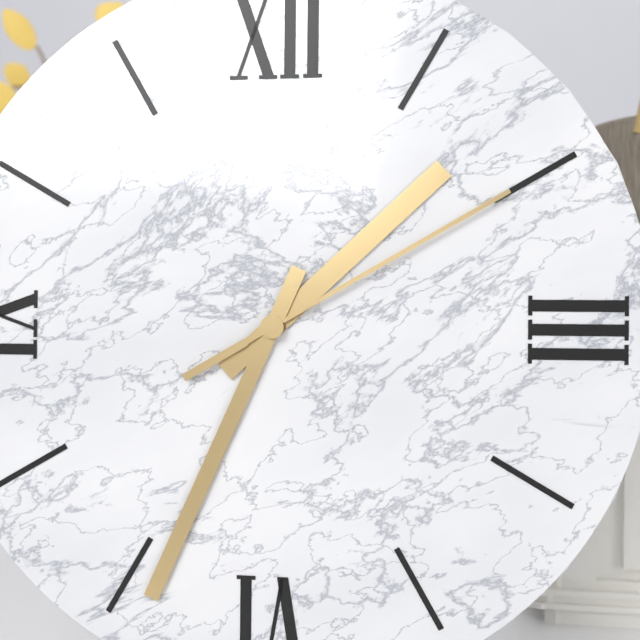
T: 1:34:10
